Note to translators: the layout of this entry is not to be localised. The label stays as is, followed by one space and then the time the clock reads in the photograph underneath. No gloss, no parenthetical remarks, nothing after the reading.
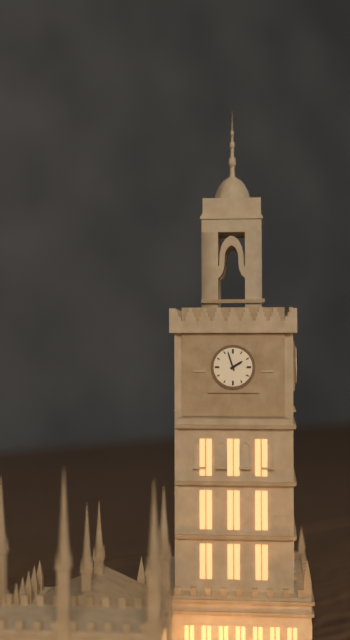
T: 1:57
